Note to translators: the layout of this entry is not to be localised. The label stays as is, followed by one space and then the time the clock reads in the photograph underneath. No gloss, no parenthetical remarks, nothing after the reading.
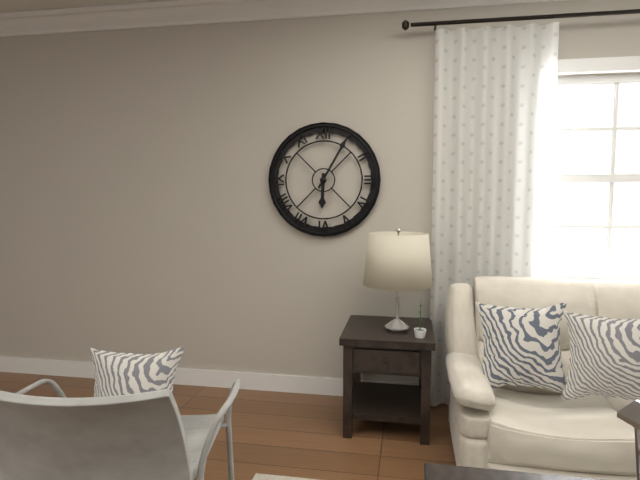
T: 6:05
